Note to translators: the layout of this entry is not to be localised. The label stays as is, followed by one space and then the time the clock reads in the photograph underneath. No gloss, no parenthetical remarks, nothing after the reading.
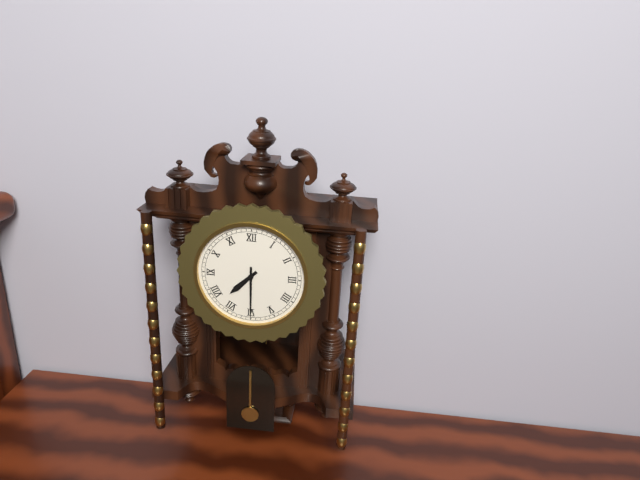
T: 7:30
